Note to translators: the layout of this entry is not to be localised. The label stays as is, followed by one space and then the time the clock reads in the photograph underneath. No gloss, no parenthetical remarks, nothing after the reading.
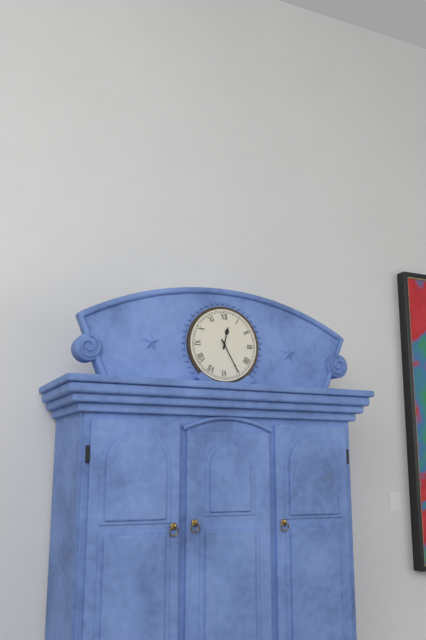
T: 12:25
